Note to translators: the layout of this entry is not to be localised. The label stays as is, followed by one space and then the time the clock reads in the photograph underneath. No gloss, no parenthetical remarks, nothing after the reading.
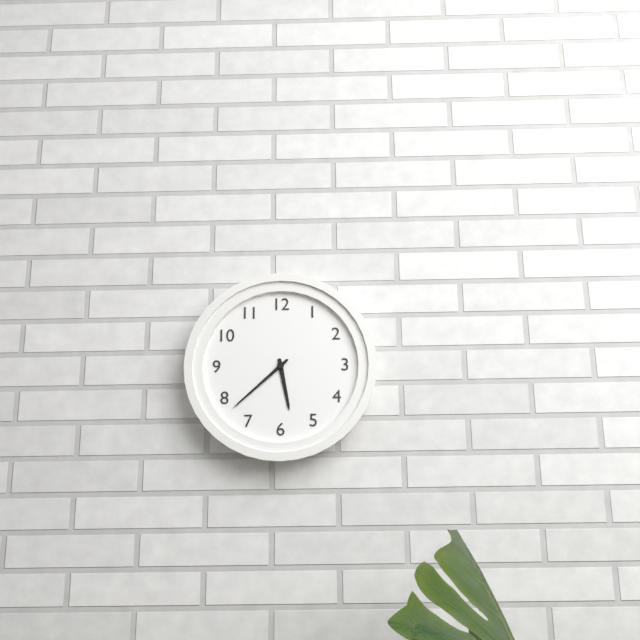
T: 5:38
